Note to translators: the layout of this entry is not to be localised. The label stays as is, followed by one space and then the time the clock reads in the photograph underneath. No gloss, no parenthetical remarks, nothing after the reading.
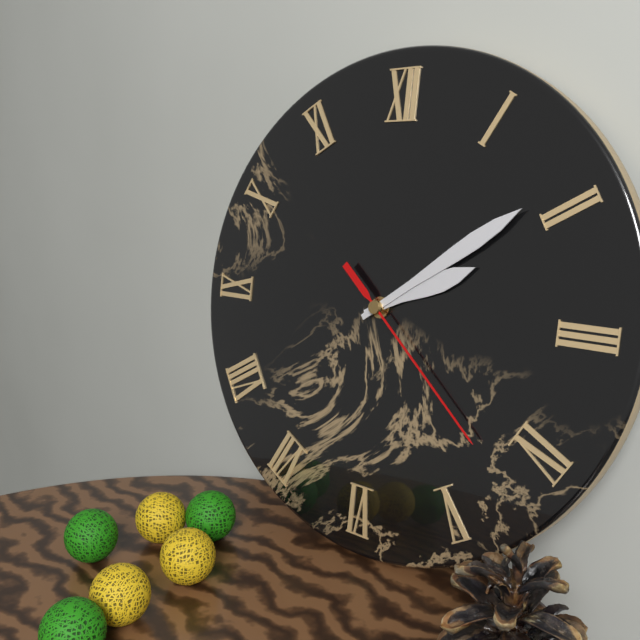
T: 2:09:22
